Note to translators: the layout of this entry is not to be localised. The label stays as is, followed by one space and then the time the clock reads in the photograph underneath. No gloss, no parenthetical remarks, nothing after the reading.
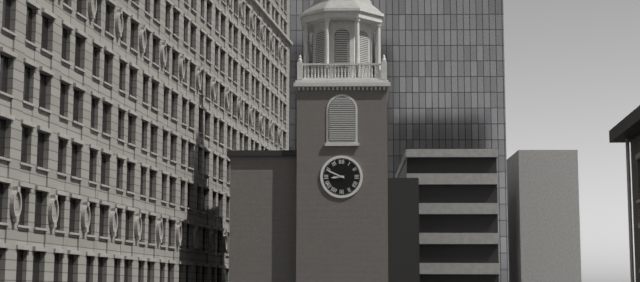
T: 8:49
